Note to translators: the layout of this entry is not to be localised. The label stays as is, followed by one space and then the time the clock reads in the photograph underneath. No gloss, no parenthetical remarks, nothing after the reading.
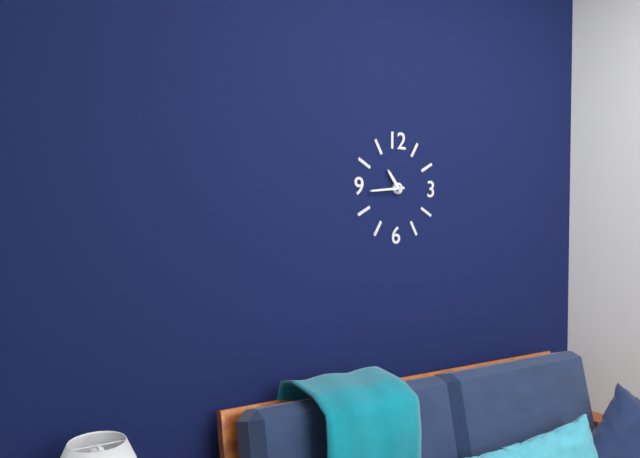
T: 10:44
